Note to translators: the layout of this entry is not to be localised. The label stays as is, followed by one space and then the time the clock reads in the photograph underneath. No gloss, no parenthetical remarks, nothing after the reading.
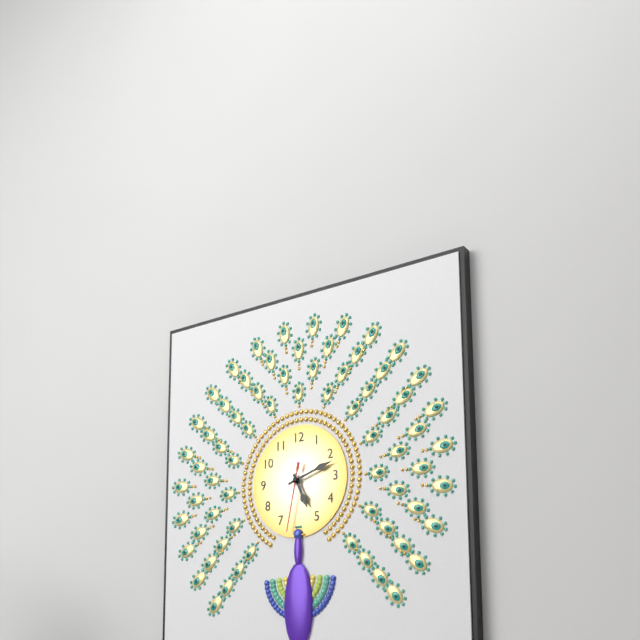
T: 5:12:32
